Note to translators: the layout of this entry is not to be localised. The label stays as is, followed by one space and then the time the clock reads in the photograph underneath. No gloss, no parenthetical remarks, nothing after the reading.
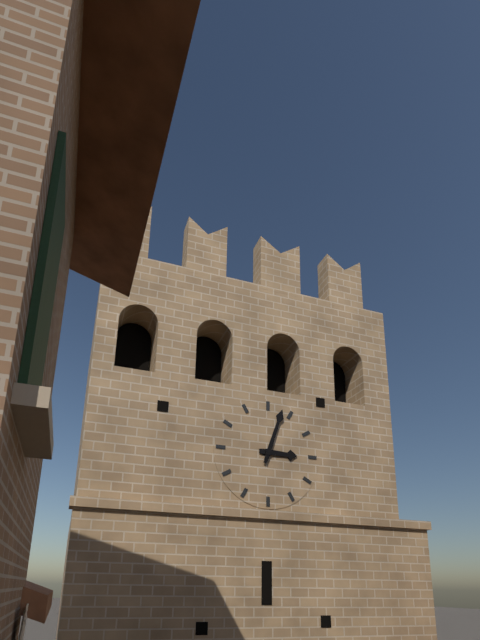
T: 3:03
